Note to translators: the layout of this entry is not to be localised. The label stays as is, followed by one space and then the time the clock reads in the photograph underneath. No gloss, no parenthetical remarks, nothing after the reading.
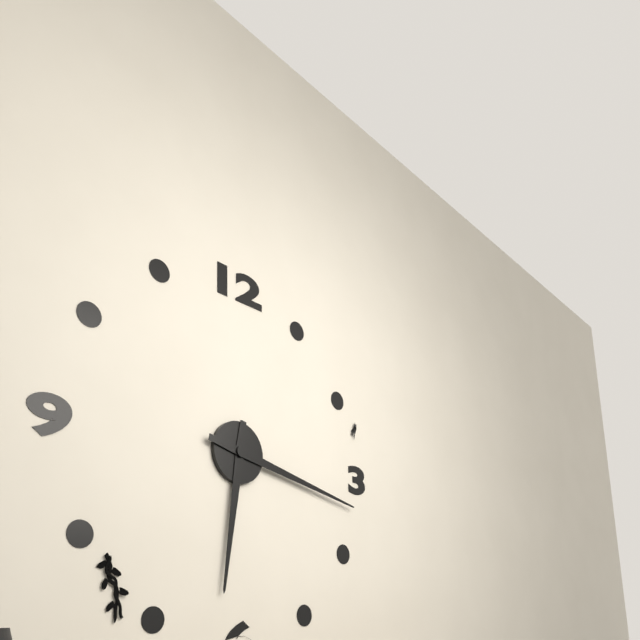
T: 6:17
